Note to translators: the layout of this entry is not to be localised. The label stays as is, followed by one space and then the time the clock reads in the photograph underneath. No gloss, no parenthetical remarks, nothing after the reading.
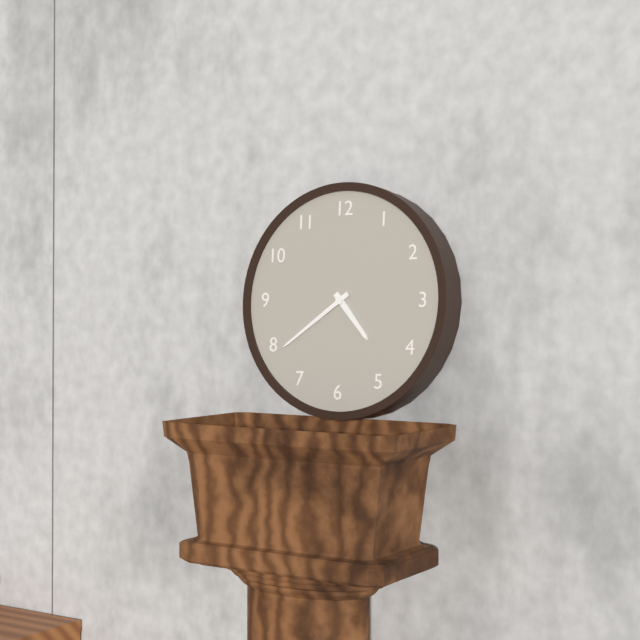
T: 4:39
